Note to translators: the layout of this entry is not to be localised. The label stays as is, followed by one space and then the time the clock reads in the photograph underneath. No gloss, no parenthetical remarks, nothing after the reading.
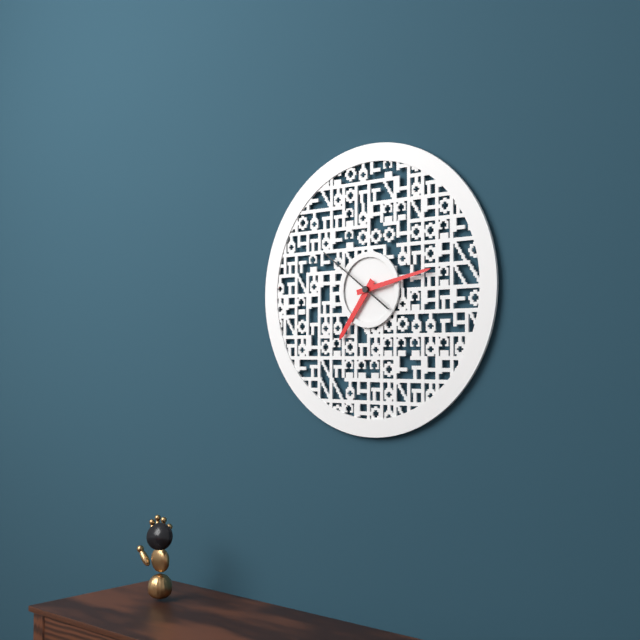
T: 7:13:51
